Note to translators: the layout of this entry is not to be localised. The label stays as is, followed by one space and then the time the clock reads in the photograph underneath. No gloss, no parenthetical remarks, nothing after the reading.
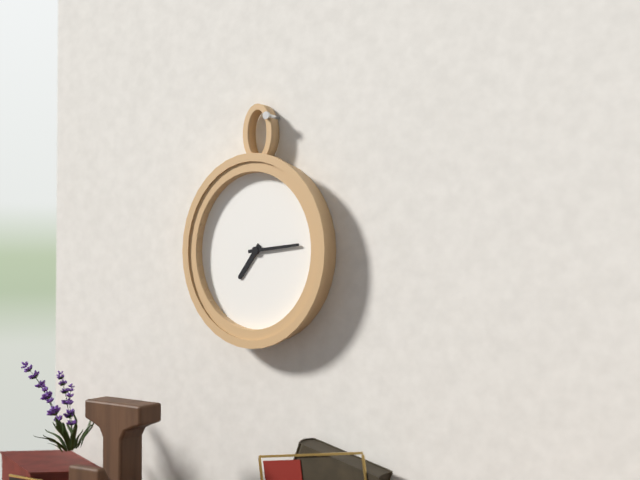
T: 7:14
